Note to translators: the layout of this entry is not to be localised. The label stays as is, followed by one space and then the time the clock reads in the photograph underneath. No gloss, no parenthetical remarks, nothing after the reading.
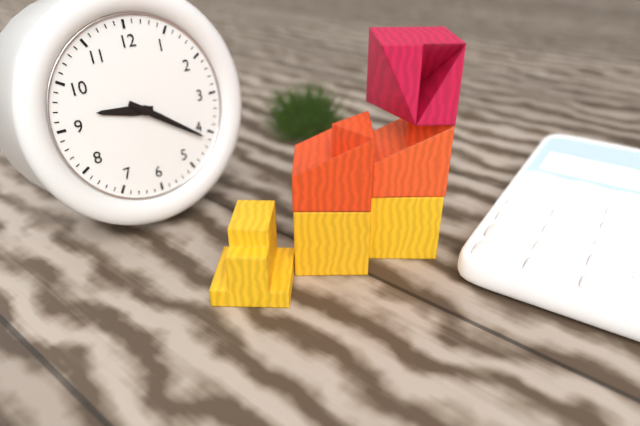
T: 9:21
